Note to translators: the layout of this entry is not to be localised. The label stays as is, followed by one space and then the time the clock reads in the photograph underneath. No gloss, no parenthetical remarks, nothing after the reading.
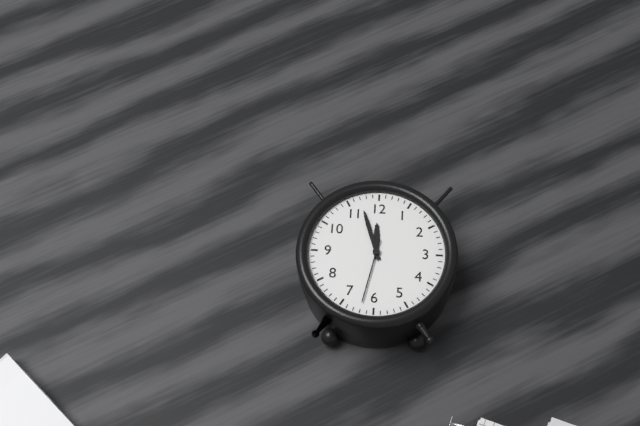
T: 11:57:32
